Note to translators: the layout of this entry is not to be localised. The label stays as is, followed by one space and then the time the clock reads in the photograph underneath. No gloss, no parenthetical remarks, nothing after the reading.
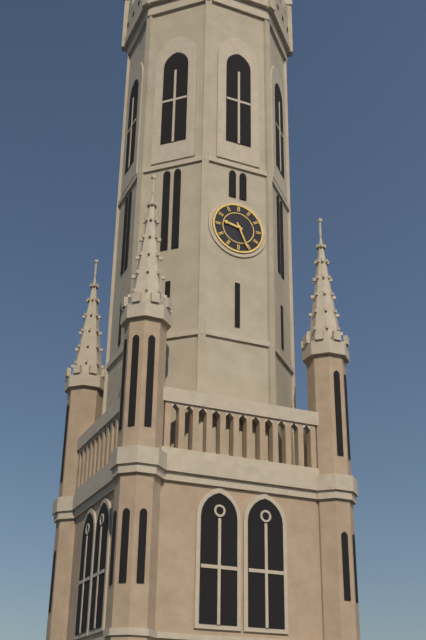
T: 9:26
